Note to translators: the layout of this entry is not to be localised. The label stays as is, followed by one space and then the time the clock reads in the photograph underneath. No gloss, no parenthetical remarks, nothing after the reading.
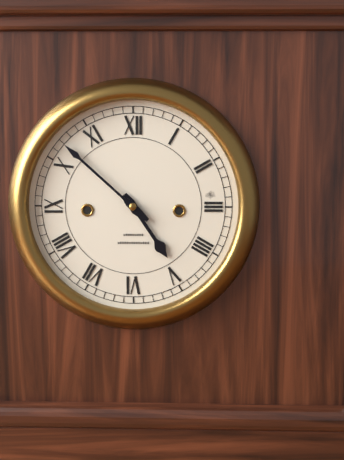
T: 4:52
